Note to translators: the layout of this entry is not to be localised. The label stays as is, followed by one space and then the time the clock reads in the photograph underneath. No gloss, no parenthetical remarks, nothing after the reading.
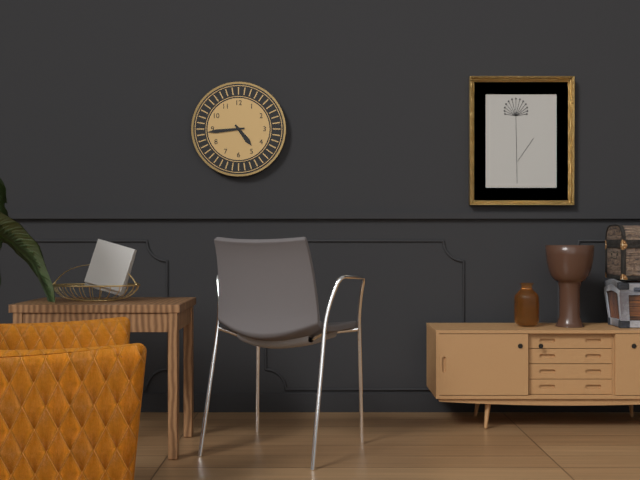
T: 4:44
